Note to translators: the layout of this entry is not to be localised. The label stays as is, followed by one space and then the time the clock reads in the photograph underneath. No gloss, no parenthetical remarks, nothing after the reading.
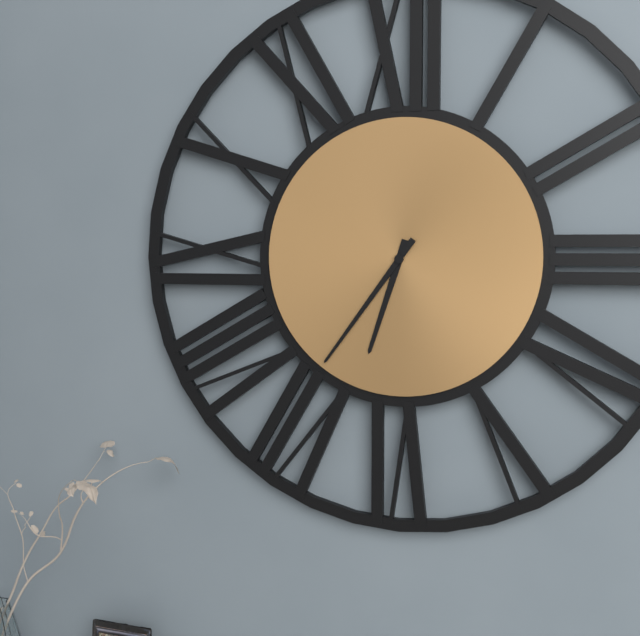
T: 6:36
